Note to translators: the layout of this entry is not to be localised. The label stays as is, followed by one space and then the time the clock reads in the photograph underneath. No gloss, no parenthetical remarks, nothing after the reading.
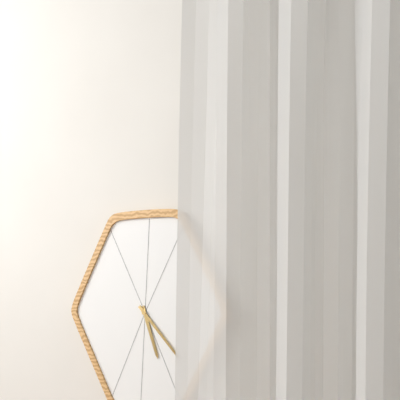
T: 5:23
